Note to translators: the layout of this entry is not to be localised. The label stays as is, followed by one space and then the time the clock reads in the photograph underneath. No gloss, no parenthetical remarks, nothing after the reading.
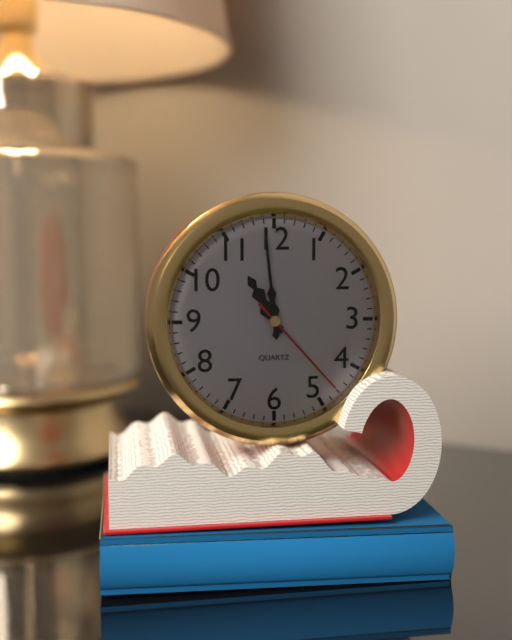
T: 10:59:23
